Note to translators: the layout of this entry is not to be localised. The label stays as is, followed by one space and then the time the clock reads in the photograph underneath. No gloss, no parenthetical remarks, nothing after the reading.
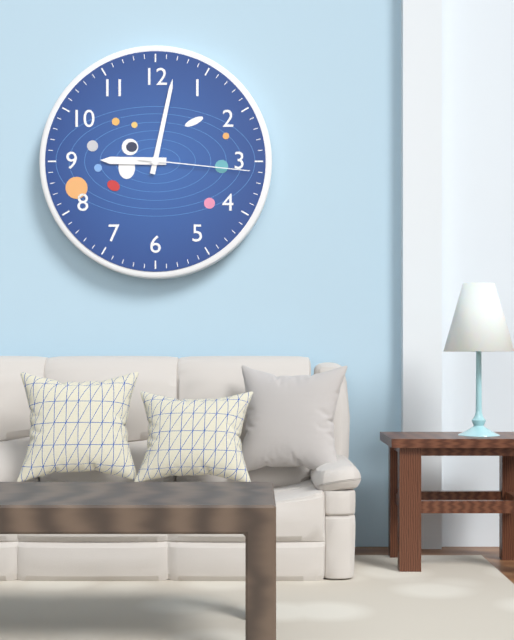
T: 9:02:16
